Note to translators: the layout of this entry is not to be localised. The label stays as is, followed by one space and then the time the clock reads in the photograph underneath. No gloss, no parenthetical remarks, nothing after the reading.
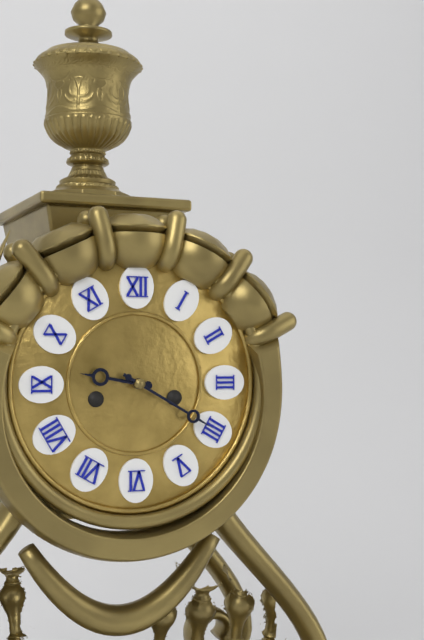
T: 9:20
